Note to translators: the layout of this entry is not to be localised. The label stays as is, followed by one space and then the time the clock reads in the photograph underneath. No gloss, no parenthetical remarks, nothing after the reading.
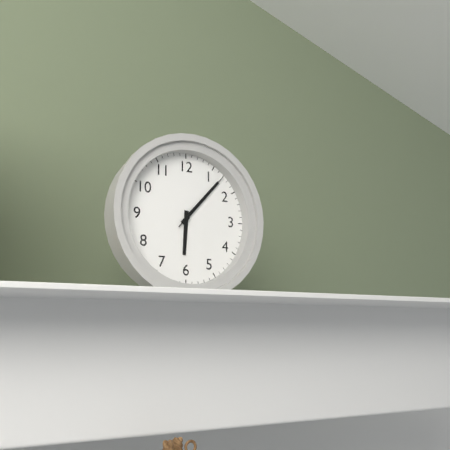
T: 6:07:07
